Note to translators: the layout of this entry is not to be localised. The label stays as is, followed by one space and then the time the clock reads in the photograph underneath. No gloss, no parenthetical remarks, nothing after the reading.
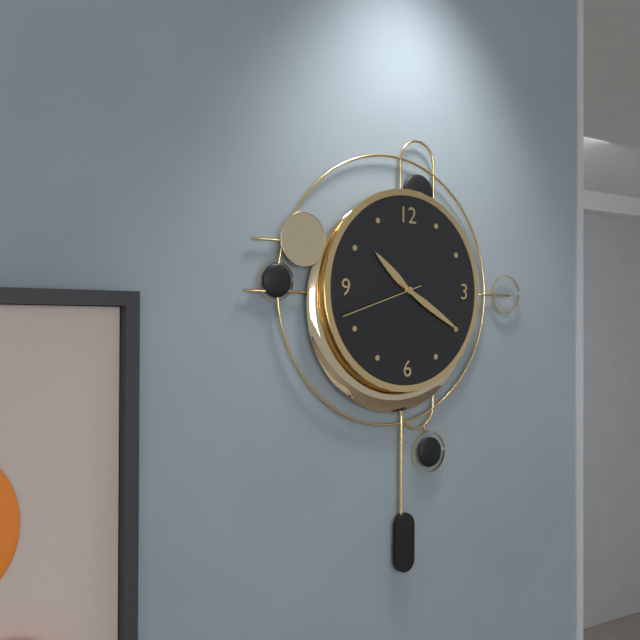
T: 10:20:42
